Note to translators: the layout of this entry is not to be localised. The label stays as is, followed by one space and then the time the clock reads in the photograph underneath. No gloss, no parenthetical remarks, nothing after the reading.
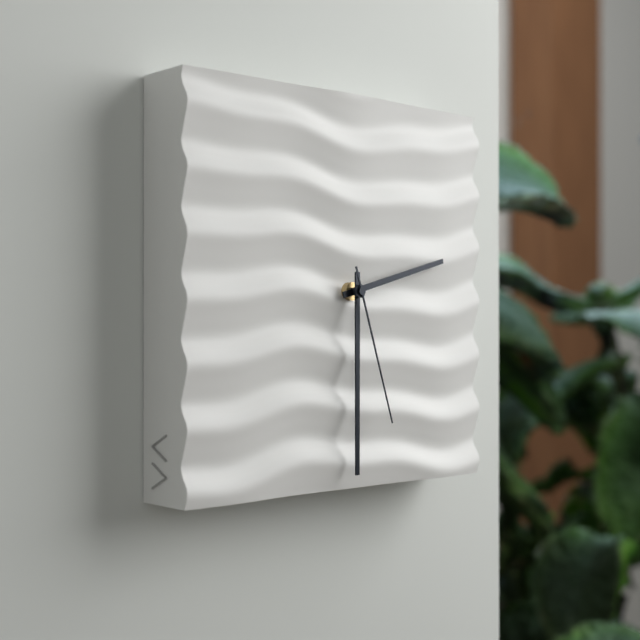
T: 2:30:27
